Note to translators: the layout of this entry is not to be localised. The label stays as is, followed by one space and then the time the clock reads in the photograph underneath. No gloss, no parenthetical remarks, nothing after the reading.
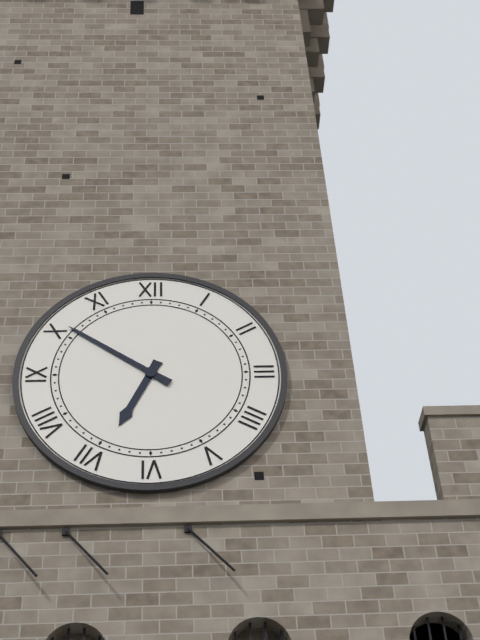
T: 6:51
